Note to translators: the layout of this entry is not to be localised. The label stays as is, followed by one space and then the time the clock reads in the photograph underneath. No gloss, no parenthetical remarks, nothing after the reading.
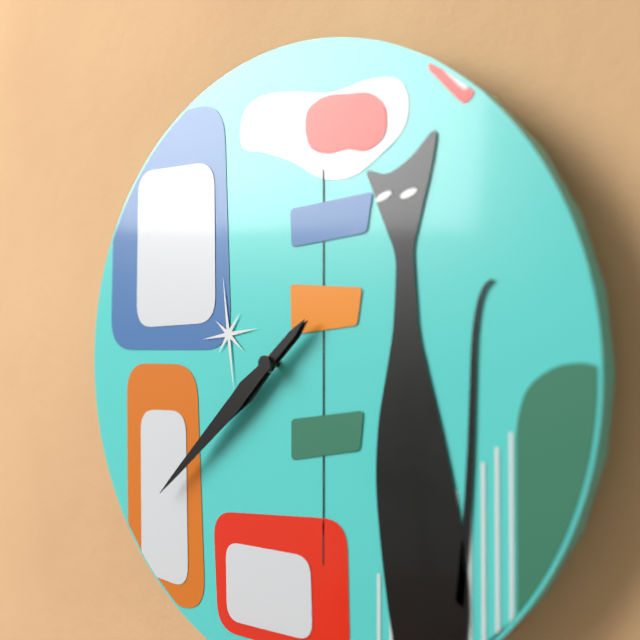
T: 7:38
